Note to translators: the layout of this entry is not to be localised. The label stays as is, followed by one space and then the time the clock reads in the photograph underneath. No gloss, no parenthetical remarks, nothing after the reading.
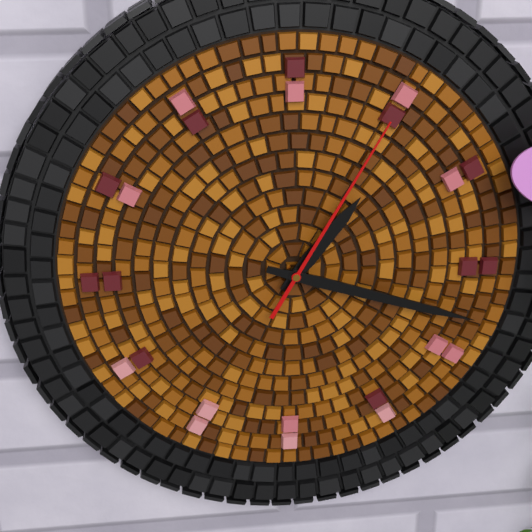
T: 1:18:05
